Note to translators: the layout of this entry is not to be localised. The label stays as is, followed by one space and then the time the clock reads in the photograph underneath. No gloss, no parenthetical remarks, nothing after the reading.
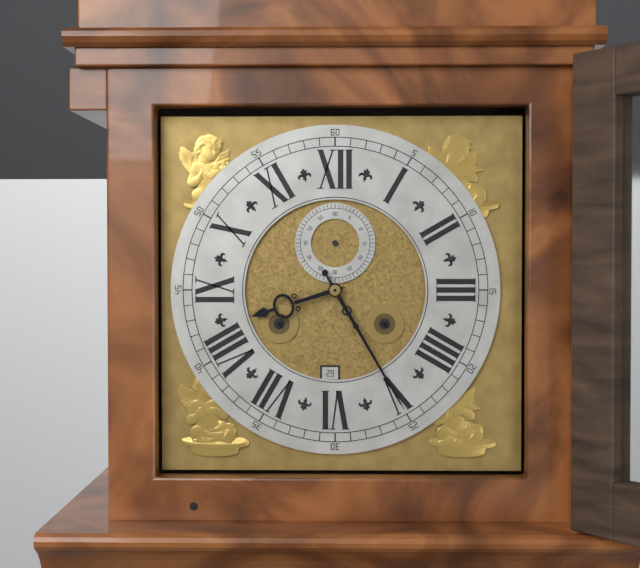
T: 8:25
